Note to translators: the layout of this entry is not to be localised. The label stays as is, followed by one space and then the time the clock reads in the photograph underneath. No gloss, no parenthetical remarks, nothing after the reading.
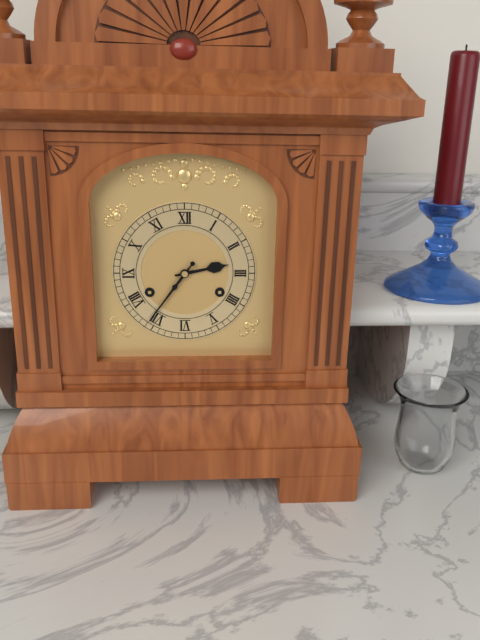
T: 2:36
